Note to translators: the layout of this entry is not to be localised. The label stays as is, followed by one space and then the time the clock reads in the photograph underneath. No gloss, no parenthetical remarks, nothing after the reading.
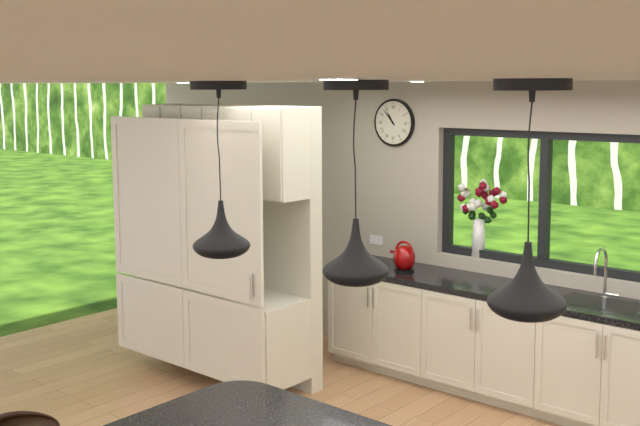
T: 10:53
